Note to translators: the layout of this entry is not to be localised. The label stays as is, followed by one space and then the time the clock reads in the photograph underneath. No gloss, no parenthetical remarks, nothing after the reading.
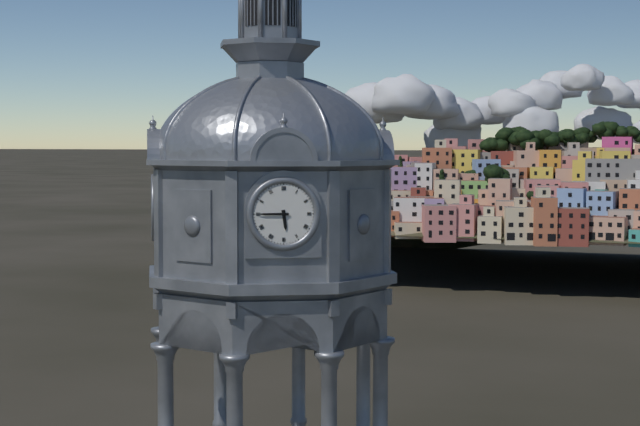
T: 5:45
